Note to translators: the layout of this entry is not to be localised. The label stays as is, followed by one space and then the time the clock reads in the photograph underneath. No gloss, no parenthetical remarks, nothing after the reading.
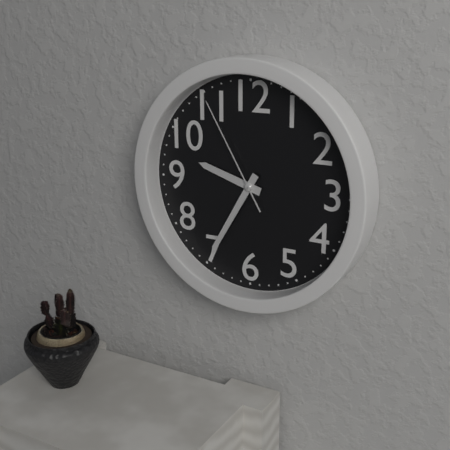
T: 9:35:55
